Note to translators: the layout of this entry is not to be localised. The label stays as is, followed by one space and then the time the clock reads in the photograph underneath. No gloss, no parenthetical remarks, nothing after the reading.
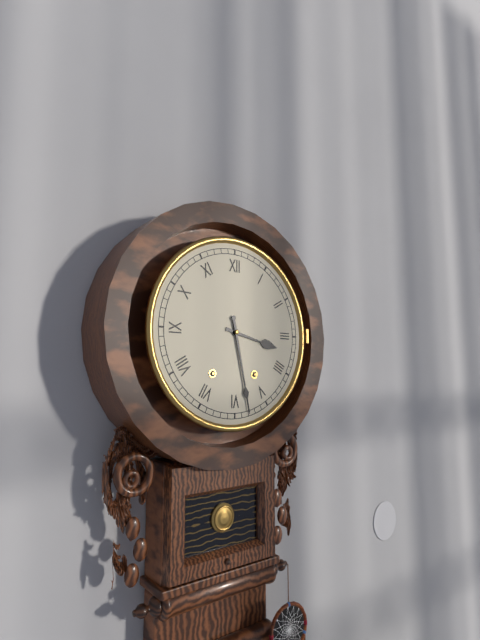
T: 3:28
